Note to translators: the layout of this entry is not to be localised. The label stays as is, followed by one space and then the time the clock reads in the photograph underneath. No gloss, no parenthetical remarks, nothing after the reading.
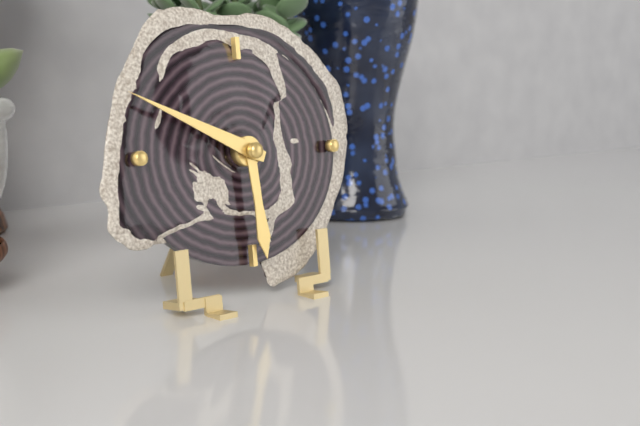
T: 5:49
